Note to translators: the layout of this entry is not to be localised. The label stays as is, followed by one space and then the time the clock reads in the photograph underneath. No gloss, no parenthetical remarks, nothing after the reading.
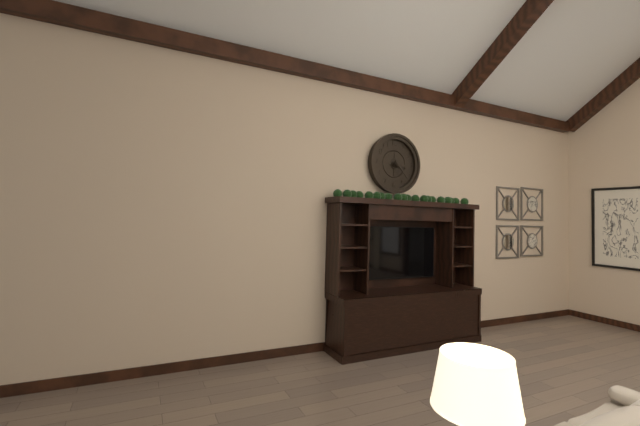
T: 3:23
